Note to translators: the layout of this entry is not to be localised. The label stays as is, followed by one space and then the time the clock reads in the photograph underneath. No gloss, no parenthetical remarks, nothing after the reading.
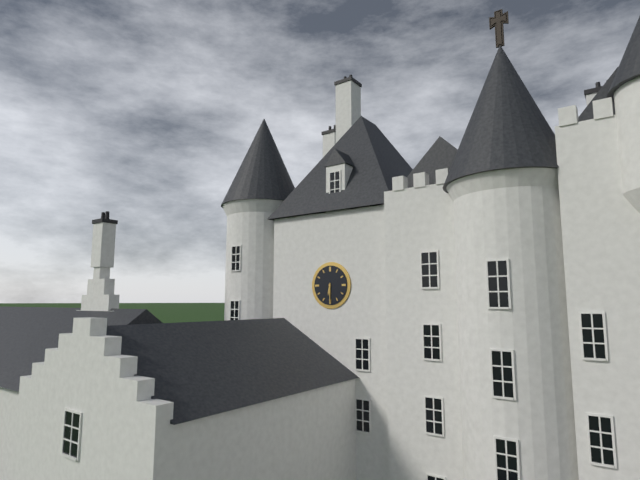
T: 6:30
